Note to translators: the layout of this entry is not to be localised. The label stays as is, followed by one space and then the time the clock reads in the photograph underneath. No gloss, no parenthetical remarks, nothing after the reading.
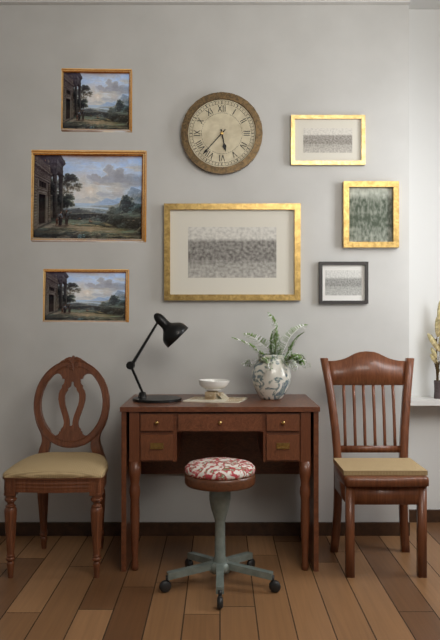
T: 5:37
